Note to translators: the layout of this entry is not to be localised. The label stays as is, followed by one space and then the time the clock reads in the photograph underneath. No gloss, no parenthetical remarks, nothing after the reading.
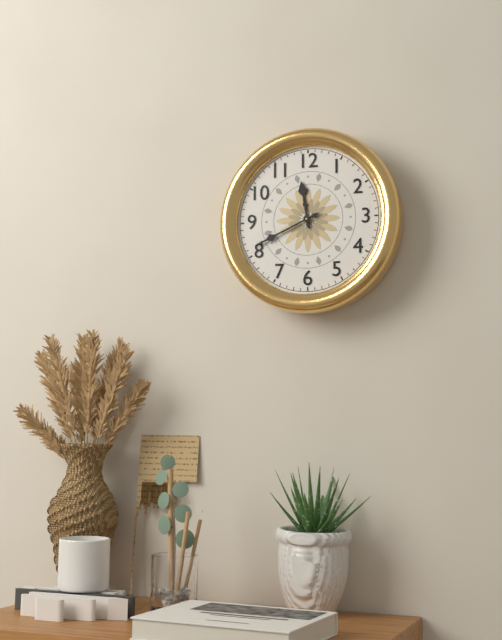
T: 11:41
